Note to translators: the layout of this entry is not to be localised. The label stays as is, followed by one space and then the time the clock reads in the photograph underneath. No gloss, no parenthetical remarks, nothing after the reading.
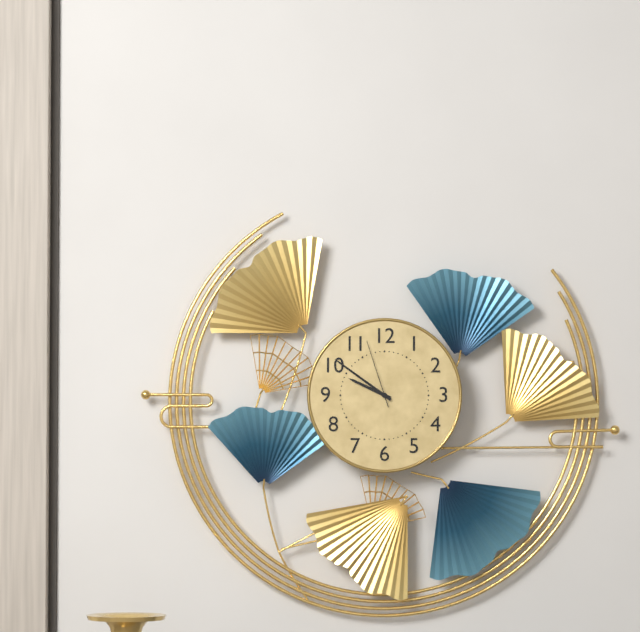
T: 9:51:57
